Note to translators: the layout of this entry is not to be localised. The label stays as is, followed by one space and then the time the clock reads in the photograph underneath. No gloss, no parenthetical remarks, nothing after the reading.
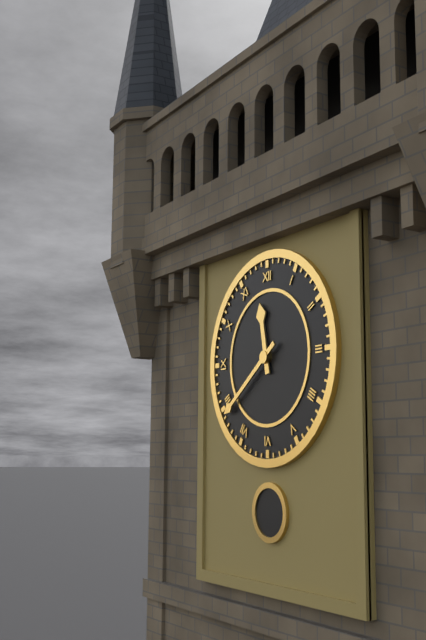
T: 11:39
